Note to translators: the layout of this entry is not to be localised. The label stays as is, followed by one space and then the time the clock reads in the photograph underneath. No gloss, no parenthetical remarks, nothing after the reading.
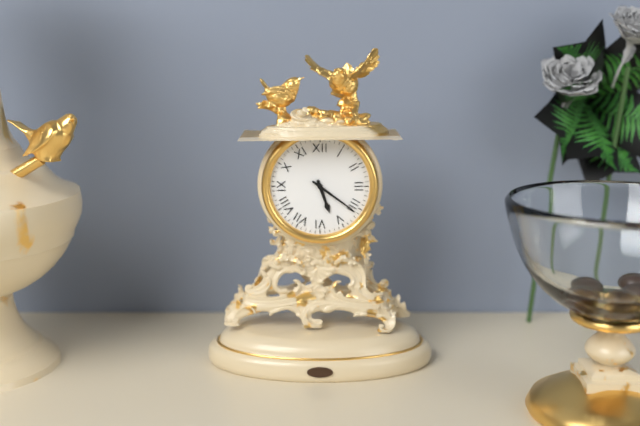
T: 5:21
